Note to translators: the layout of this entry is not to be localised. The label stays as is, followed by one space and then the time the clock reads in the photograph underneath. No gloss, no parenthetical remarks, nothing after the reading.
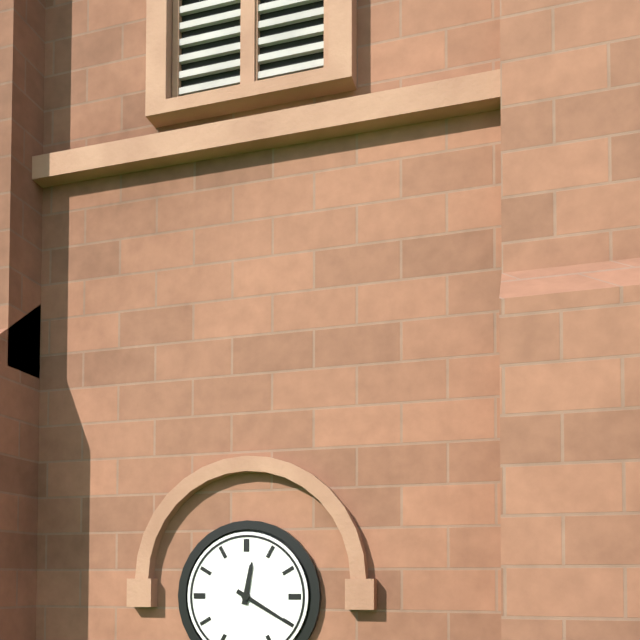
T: 12:20
